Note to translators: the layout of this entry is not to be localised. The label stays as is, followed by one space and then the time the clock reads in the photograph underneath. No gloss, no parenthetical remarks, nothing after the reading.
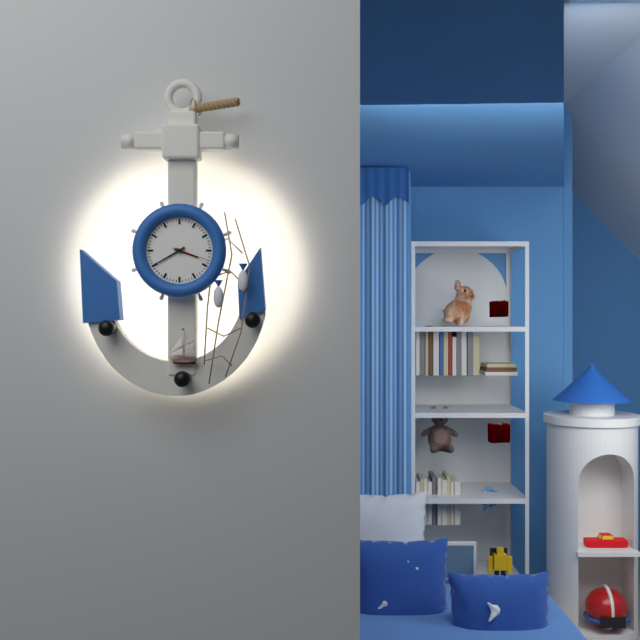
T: 3:40
